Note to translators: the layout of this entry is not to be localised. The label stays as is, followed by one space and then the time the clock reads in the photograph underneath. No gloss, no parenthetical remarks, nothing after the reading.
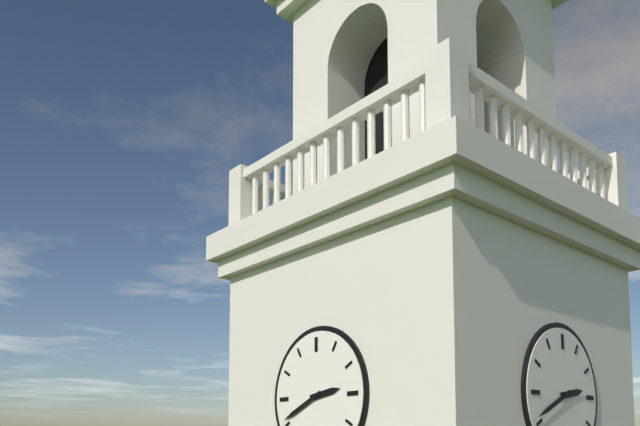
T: 2:41
